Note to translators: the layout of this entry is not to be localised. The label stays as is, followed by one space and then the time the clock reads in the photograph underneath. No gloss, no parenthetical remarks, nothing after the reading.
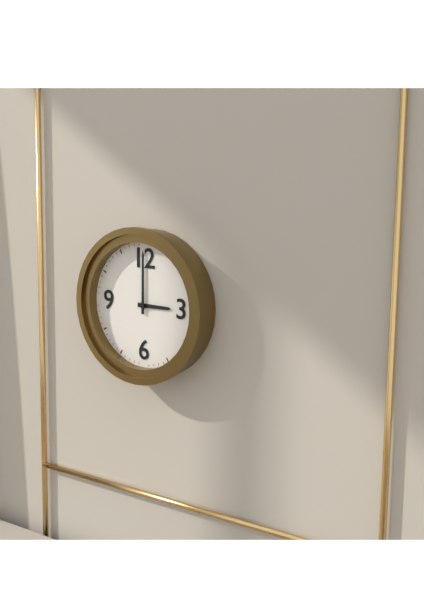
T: 3:00
